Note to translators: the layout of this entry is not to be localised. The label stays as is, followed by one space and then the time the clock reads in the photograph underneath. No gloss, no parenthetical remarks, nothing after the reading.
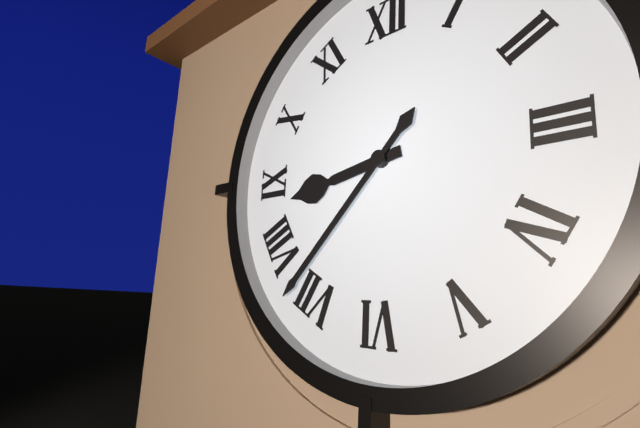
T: 8:37
